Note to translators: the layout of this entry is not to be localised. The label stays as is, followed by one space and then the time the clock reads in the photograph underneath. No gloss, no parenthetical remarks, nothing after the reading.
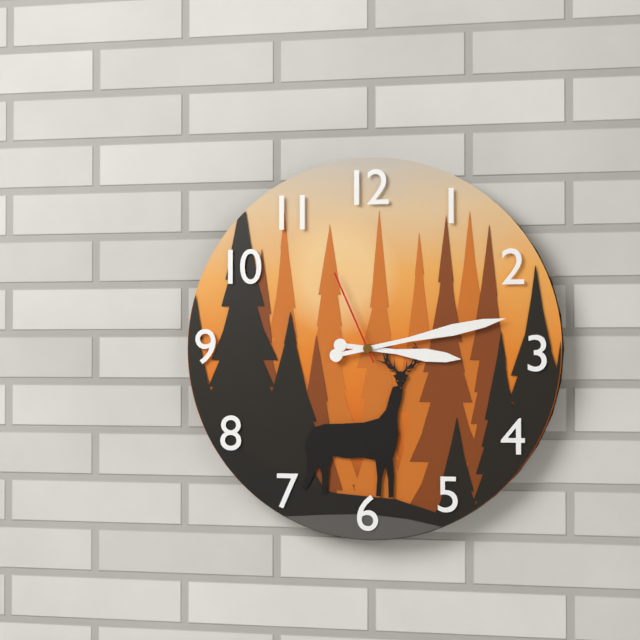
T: 3:13:56
